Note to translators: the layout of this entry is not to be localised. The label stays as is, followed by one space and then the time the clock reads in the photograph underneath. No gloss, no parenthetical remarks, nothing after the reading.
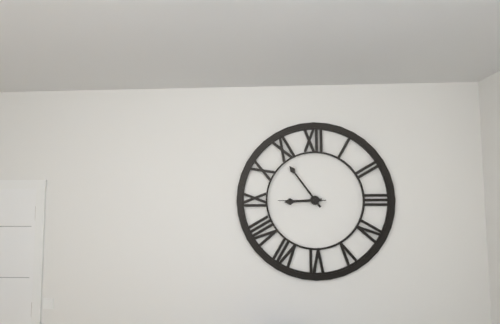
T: 8:54
